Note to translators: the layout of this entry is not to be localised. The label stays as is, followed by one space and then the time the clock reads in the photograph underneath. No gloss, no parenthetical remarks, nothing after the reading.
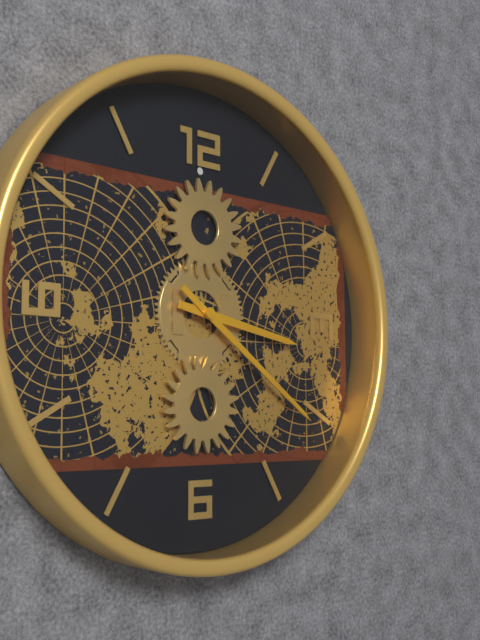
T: 3:21
